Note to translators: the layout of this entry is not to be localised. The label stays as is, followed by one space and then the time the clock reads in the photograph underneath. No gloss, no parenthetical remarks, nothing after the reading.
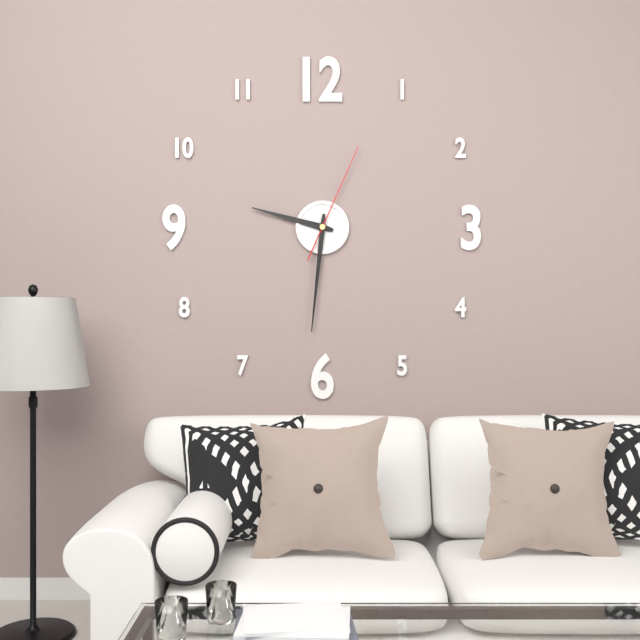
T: 9:31:04
